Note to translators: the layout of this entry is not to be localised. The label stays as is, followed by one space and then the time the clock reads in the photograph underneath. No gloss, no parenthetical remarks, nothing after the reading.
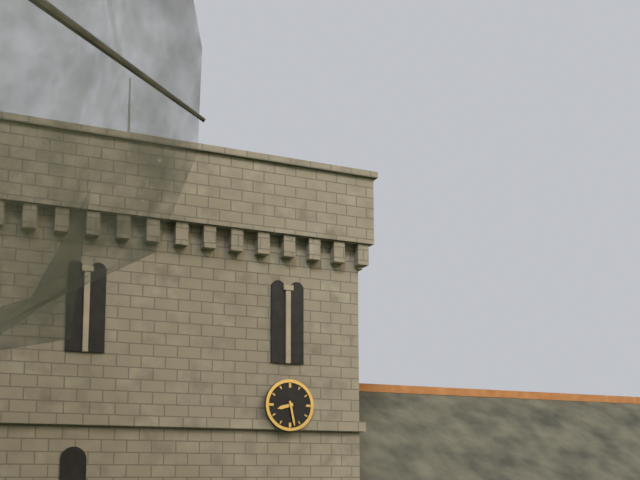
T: 8:28
